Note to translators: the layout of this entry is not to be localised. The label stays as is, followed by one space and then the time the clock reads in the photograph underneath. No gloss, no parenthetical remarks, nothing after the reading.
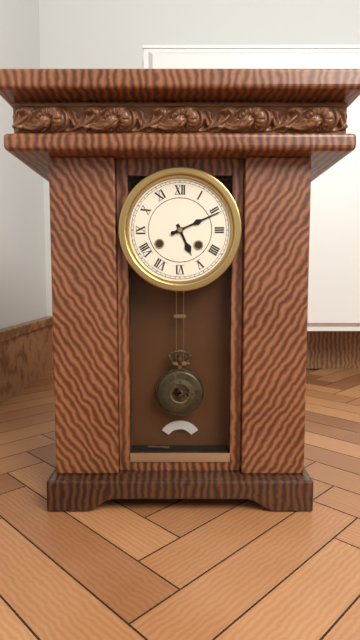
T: 5:11
